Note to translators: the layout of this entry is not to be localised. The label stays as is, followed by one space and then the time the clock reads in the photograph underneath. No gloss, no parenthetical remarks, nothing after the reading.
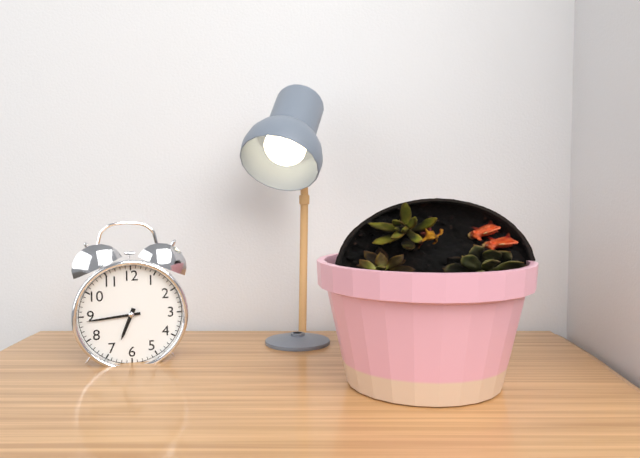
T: 6:44
